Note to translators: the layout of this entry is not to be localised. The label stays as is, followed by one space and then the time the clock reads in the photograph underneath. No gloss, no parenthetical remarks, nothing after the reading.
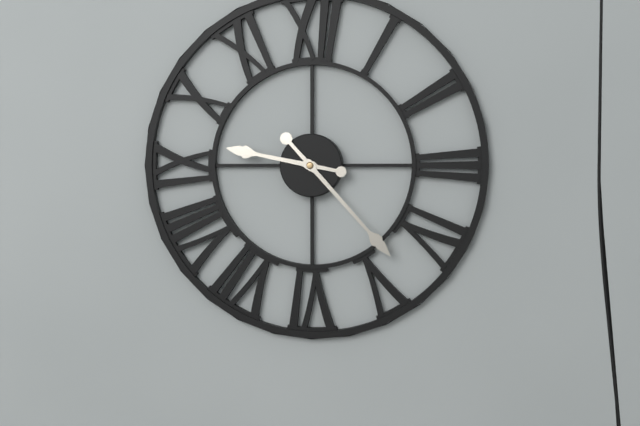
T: 9:23
